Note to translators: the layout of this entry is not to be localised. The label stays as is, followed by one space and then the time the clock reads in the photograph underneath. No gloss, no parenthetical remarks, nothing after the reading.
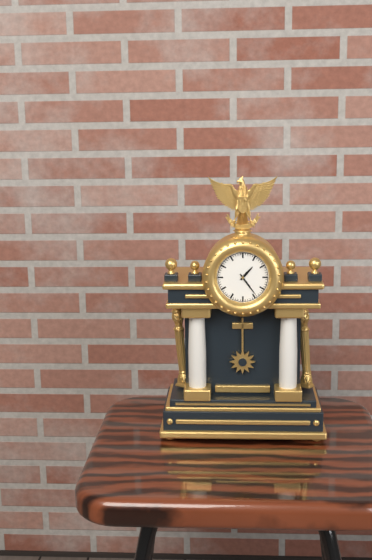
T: 1:24
